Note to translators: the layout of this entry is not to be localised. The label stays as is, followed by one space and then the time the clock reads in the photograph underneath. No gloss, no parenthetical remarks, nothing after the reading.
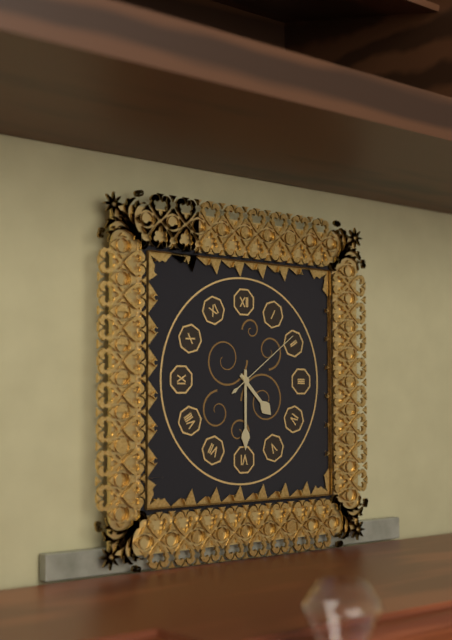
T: 4:30:09
